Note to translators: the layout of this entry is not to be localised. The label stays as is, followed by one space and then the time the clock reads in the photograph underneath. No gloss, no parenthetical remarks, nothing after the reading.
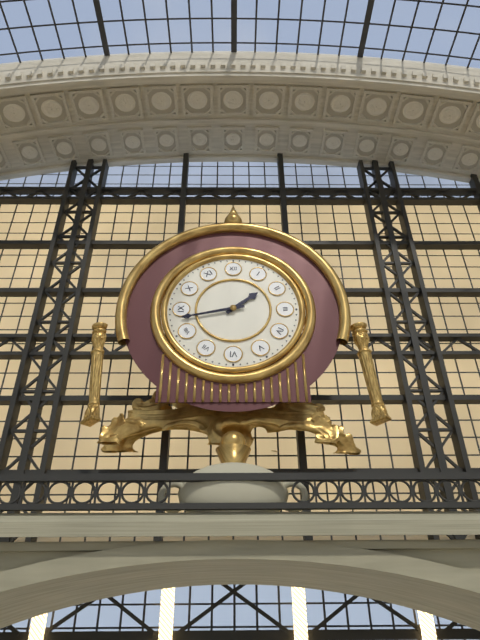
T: 1:43
